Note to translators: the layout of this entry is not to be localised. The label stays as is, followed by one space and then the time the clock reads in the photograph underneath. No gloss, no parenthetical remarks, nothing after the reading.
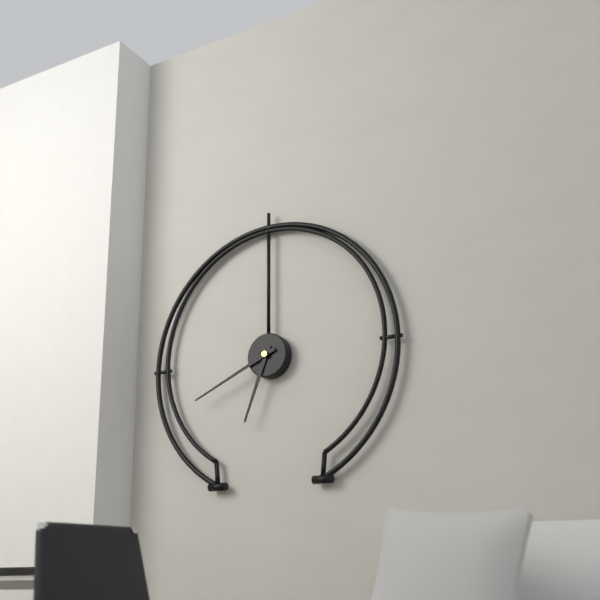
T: 6:41
